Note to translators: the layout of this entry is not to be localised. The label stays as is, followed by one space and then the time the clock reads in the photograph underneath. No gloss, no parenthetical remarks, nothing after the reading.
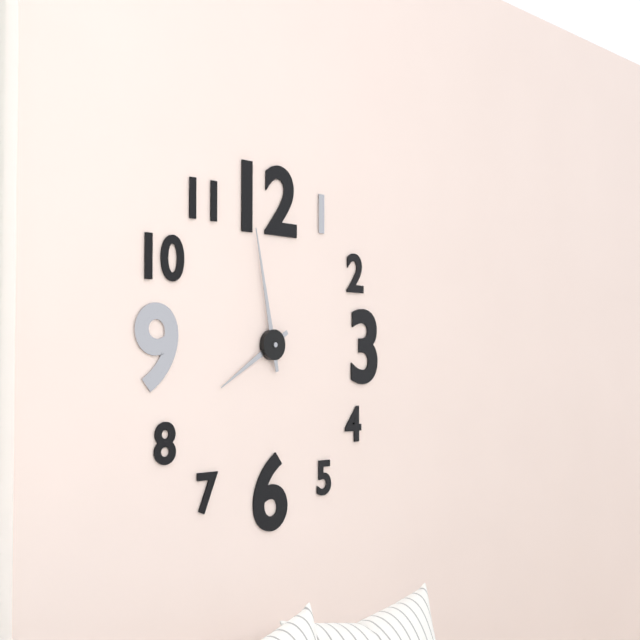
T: 7:58
